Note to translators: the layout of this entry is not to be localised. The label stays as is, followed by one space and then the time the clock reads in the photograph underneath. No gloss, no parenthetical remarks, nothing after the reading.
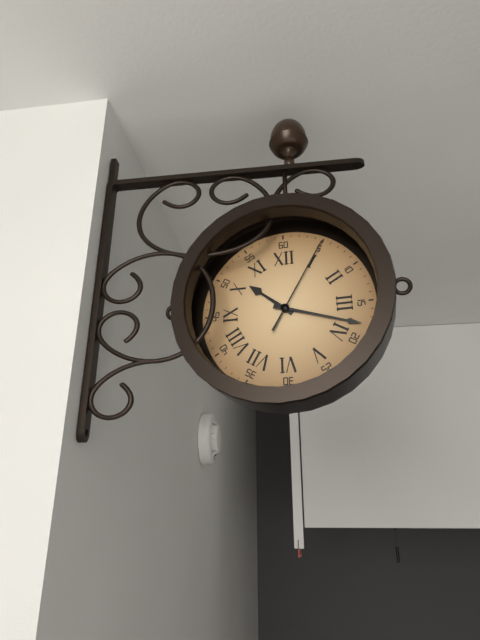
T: 10:18:05
